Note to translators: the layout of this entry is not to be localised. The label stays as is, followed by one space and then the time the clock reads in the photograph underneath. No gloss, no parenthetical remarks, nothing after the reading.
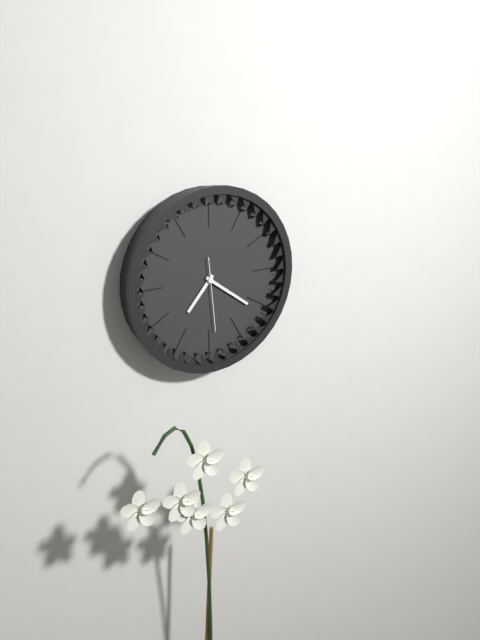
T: 7:21:29
